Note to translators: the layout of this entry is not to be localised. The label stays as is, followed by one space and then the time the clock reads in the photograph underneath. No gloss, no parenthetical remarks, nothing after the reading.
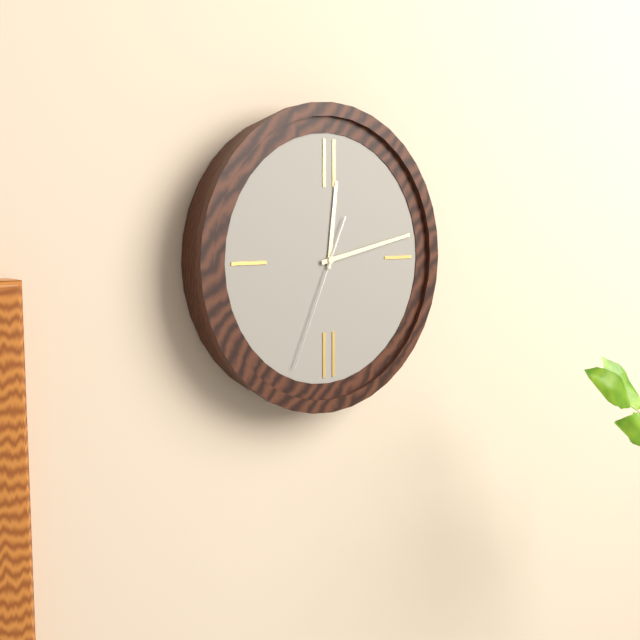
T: 12:13:34
